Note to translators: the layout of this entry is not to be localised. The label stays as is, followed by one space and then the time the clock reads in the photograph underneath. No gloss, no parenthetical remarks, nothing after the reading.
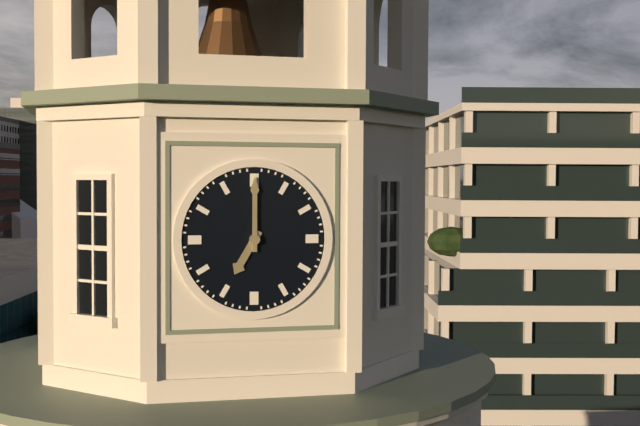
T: 7:00
